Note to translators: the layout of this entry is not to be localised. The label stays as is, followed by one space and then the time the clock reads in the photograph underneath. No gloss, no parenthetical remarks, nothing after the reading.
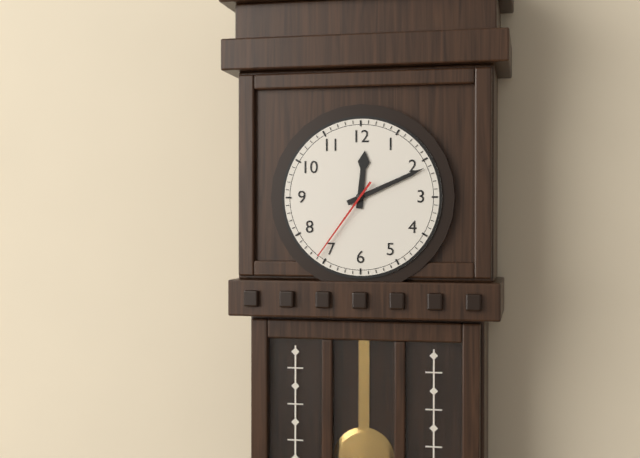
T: 12:11:36
